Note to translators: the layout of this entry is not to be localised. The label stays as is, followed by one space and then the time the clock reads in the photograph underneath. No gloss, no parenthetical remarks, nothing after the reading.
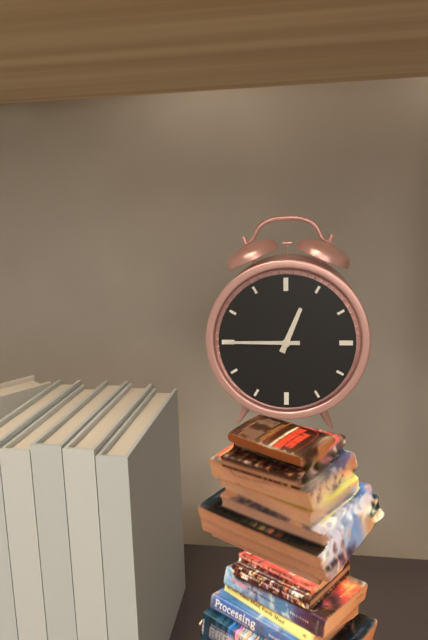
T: 12:45
